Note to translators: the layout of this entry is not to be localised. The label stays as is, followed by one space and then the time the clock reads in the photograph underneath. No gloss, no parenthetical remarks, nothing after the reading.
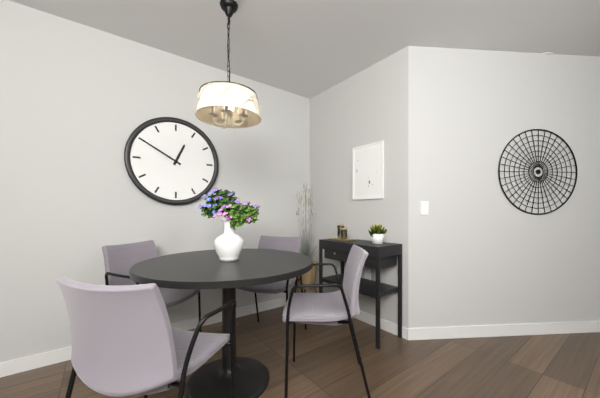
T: 12:50
